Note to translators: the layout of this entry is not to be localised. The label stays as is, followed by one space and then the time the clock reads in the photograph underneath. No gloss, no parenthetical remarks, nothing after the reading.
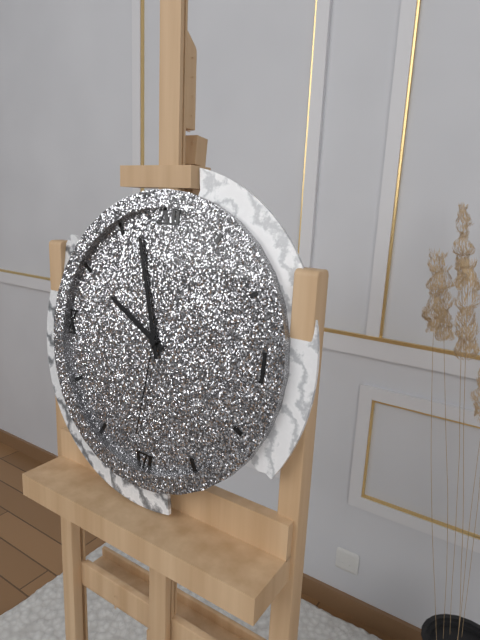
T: 9:57:31
